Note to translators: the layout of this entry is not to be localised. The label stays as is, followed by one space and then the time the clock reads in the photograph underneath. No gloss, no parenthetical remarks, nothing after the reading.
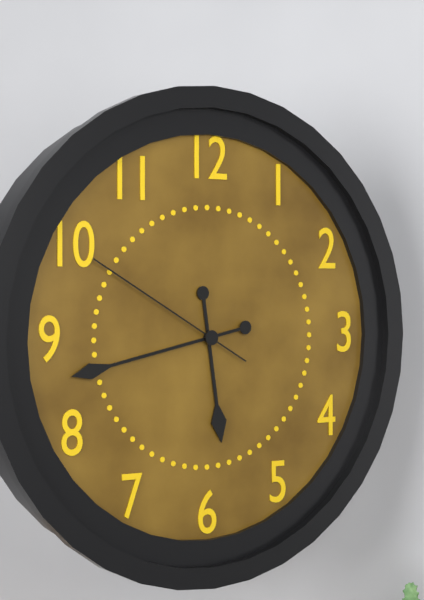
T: 5:43:50
